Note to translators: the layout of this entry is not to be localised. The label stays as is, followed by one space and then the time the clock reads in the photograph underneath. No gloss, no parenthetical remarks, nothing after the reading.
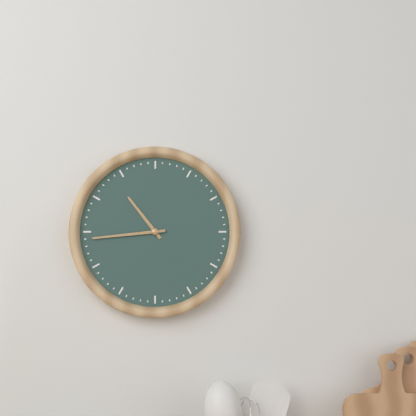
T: 10:44
